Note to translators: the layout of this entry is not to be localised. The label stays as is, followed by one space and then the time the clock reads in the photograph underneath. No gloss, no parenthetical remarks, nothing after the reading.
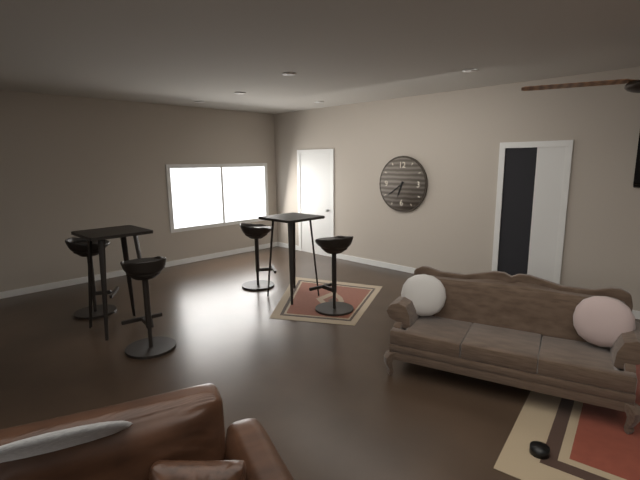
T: 6:39
